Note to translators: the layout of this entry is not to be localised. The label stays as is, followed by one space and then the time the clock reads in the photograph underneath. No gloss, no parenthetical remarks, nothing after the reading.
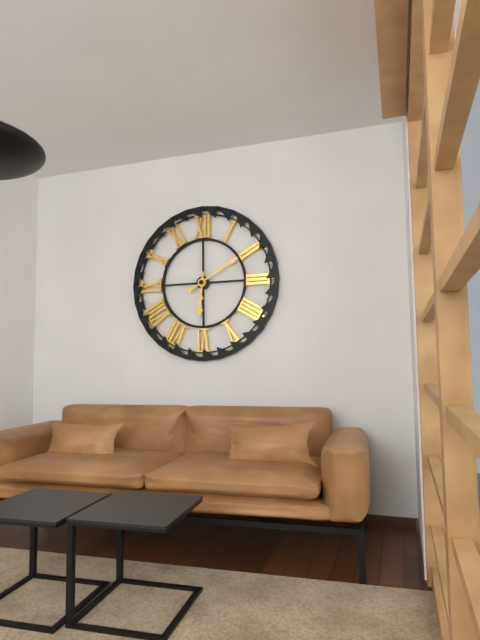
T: 6:10
